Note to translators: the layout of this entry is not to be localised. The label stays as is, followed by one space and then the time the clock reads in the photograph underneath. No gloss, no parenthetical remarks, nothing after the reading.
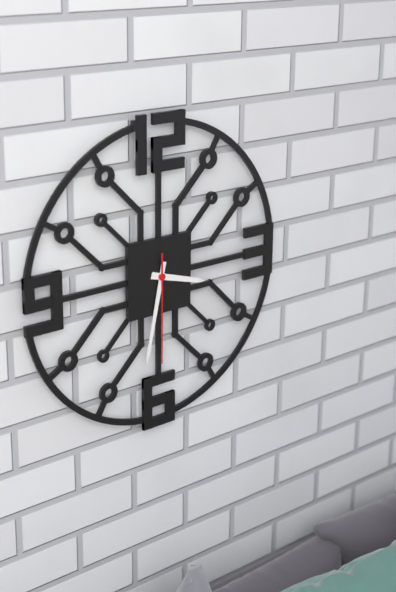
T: 3:32:30
